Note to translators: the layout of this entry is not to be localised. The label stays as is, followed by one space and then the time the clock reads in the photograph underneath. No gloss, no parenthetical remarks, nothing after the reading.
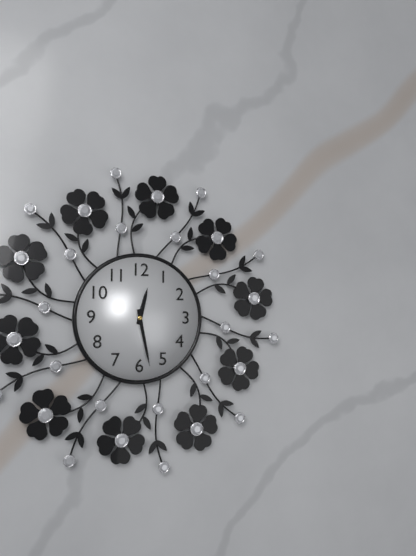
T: 12:28
